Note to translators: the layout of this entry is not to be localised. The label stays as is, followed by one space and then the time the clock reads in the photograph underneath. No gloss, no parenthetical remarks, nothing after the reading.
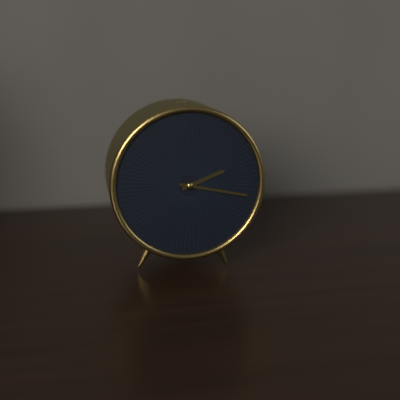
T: 2:17
